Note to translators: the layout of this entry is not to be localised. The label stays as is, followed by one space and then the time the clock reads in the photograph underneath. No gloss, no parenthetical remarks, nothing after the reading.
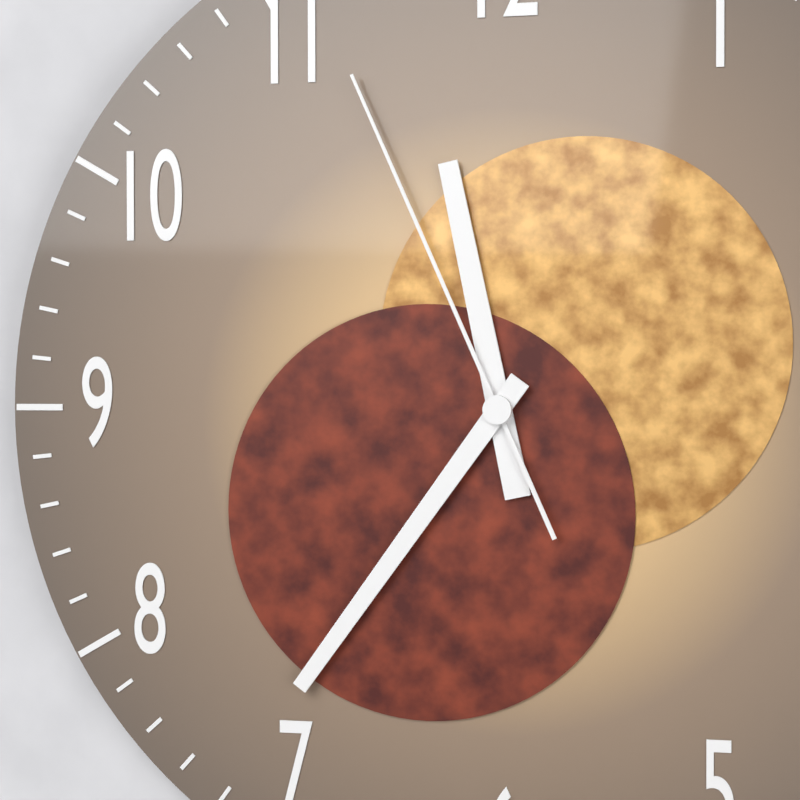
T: 11:36:56
